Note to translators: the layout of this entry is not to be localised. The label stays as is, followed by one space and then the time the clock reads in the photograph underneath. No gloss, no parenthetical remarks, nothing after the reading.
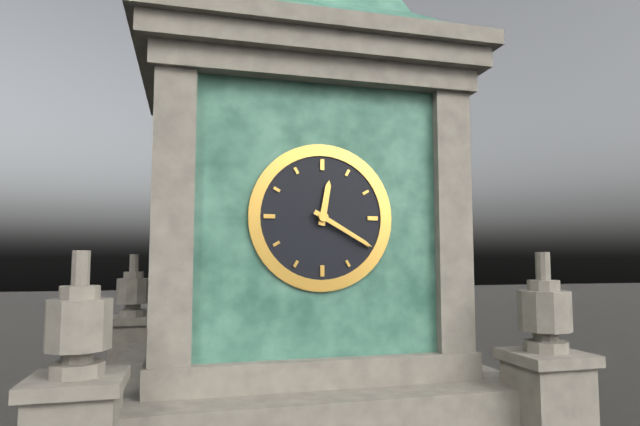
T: 12:20
